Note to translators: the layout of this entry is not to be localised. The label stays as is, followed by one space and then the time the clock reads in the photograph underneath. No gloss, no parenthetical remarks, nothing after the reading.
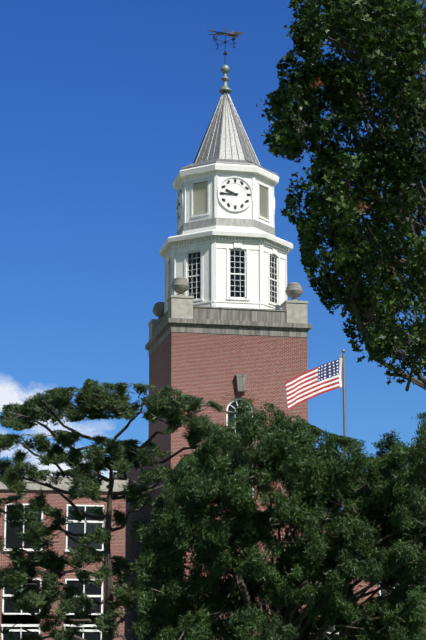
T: 9:45
